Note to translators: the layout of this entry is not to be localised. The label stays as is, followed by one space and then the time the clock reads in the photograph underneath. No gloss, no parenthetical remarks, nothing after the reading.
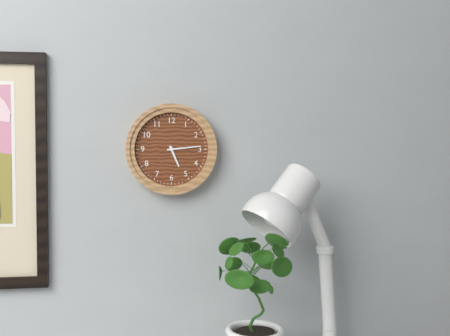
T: 5:14
